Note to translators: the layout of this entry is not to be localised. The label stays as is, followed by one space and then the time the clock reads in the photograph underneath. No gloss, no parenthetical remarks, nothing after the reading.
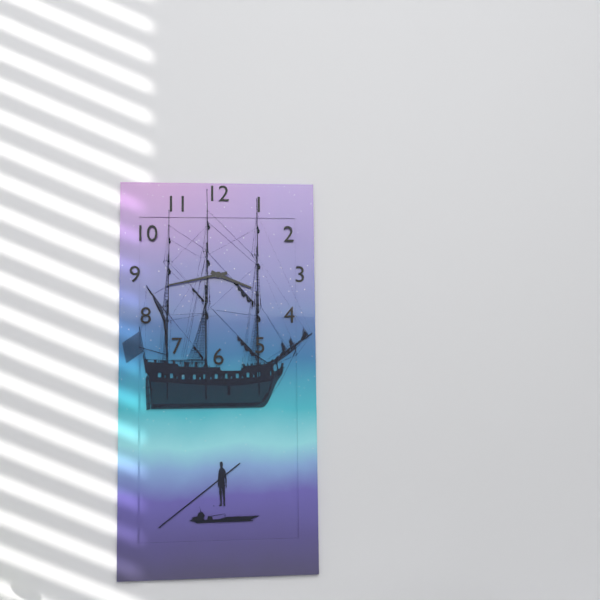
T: 3:43
